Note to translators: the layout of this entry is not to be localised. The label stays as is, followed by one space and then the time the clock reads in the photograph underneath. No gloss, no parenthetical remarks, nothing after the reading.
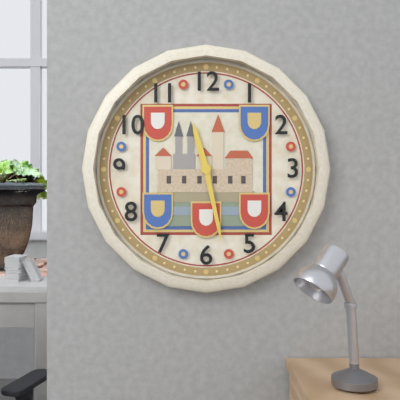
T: 11:28
